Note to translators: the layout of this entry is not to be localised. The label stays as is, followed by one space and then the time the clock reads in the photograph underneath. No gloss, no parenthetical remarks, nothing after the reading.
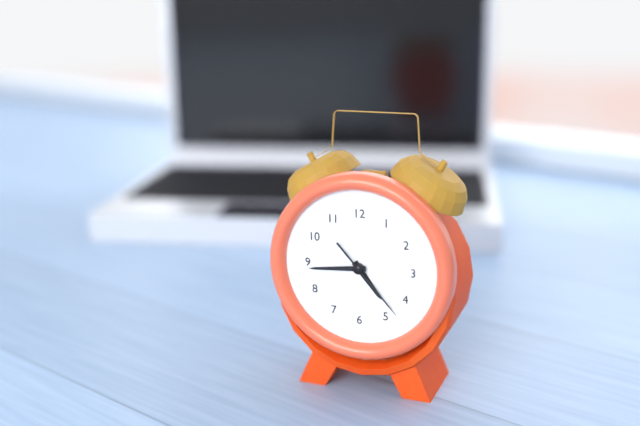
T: 4:44:23
